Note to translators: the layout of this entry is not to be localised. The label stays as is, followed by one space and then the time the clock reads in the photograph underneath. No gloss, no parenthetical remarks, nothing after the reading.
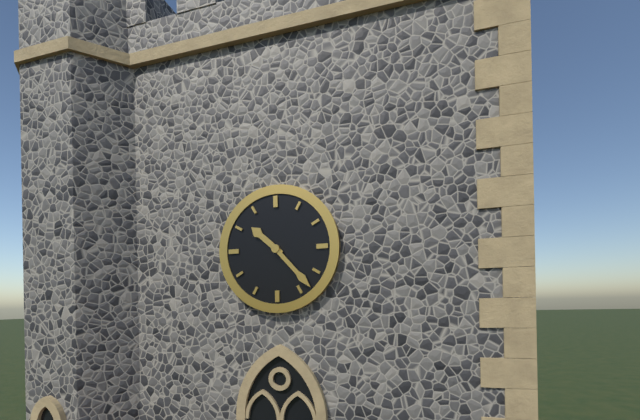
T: 10:23
